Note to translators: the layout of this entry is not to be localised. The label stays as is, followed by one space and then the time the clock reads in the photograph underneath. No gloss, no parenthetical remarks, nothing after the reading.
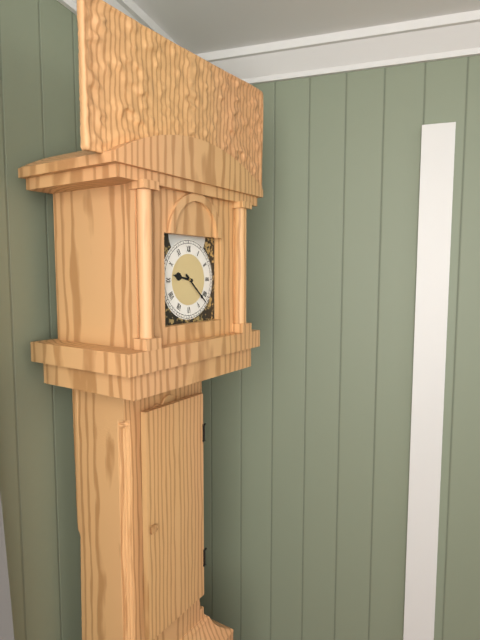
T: 9:22
